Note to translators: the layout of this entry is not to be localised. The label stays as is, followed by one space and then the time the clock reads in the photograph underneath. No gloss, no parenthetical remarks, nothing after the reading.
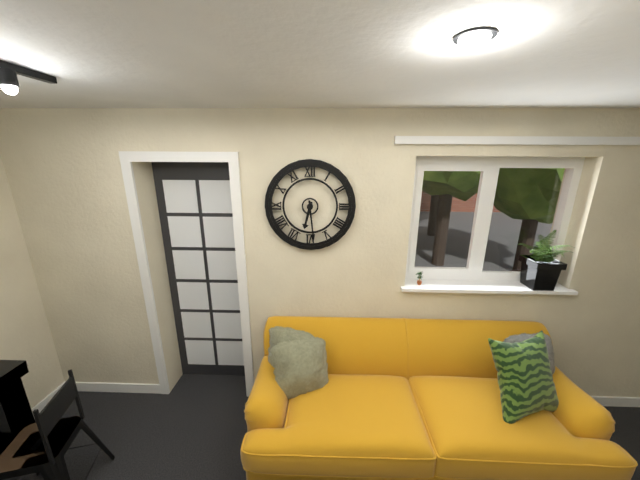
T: 6:29
